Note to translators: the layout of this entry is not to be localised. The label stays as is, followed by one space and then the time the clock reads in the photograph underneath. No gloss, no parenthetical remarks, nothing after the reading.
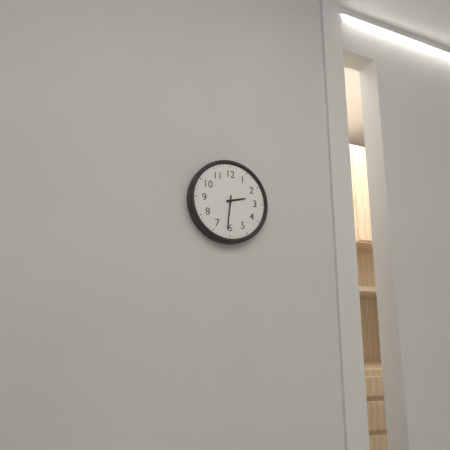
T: 2:31
